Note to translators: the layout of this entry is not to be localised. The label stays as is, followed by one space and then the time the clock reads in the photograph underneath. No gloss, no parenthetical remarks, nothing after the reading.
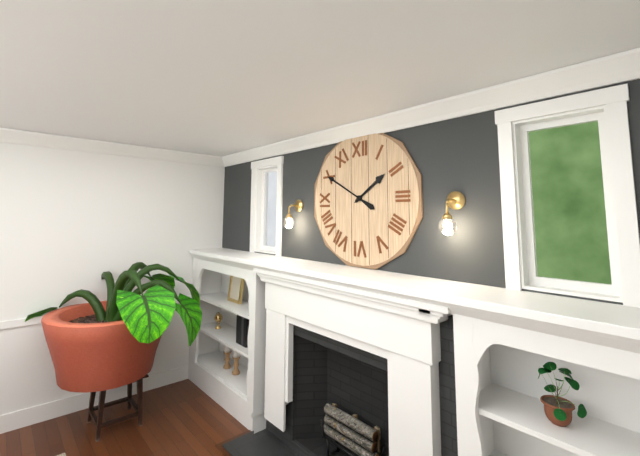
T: 1:50
